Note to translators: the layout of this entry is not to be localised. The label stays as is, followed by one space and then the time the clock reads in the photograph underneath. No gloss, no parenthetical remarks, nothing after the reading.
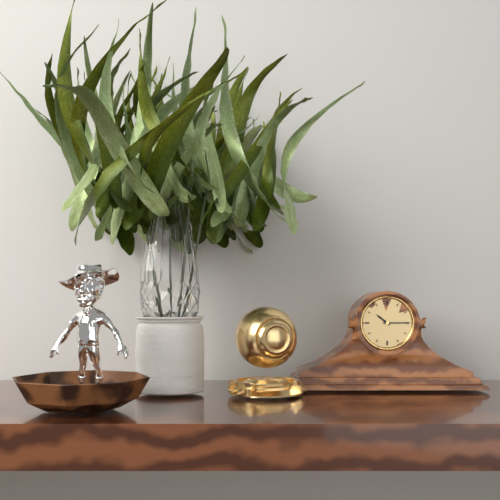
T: 10:15
